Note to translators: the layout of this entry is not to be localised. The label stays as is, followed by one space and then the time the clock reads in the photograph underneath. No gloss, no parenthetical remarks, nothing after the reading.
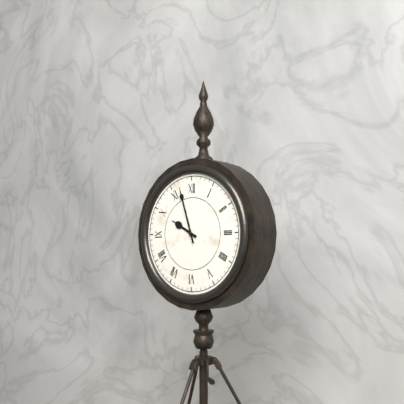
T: 9:57
